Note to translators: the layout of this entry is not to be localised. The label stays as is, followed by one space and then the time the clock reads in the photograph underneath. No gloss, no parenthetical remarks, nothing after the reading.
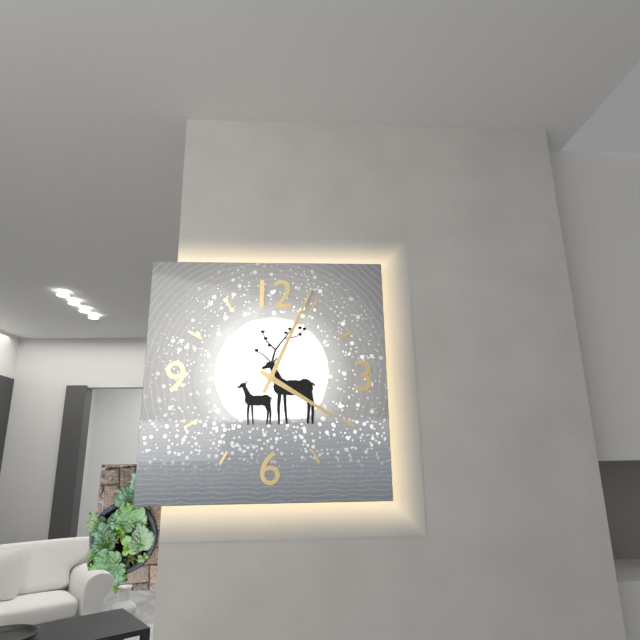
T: 4:04
